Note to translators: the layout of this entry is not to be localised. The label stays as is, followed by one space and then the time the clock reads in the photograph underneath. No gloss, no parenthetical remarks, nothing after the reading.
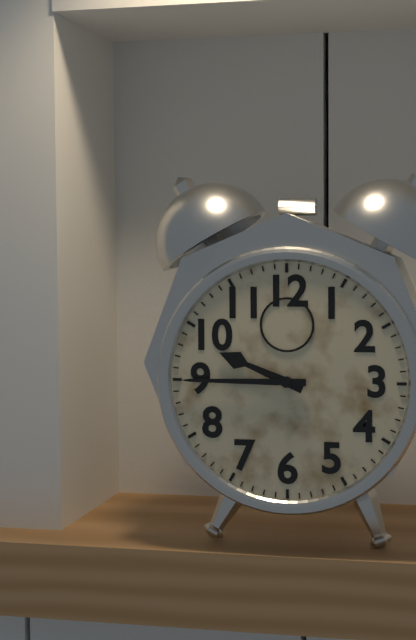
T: 9:45
